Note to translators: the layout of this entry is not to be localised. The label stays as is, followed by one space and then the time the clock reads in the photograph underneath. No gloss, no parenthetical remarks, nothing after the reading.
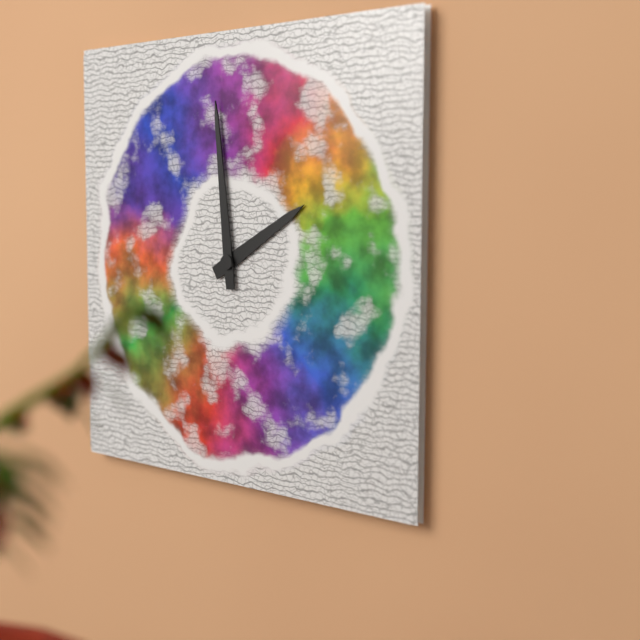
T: 1:59
